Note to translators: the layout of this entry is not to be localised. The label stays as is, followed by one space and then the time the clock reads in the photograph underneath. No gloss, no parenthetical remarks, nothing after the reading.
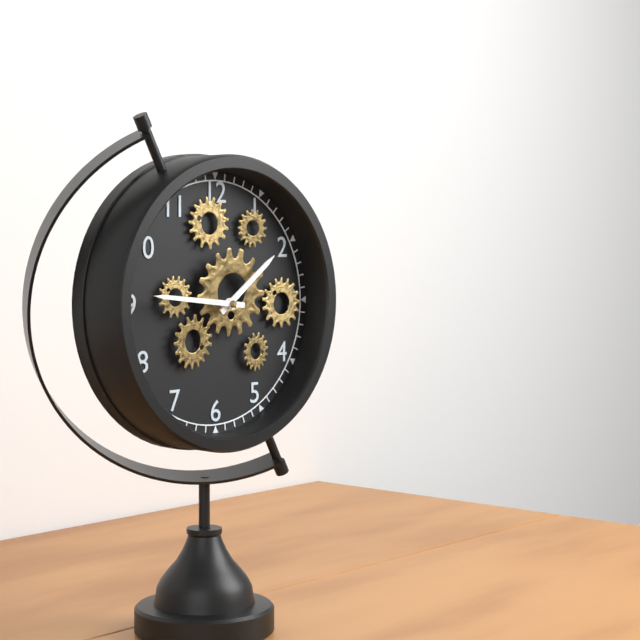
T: 1:46
